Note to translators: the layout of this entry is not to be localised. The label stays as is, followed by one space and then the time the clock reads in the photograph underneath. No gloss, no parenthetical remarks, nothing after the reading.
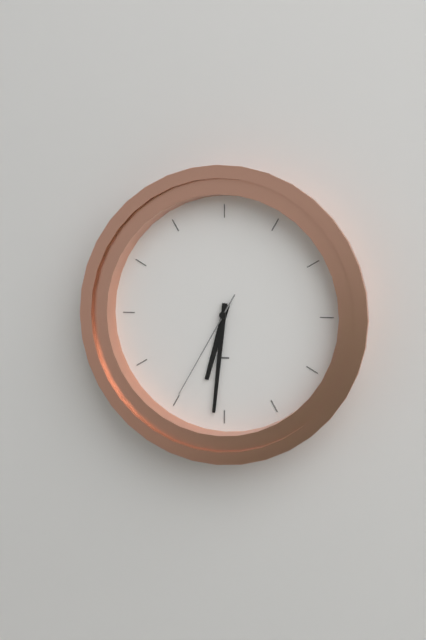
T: 6:31:35
